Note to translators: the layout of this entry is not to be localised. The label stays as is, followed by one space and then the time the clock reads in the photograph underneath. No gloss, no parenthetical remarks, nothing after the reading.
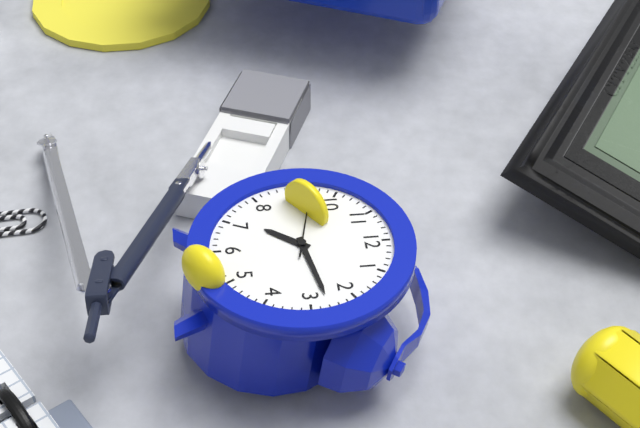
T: 7:13
